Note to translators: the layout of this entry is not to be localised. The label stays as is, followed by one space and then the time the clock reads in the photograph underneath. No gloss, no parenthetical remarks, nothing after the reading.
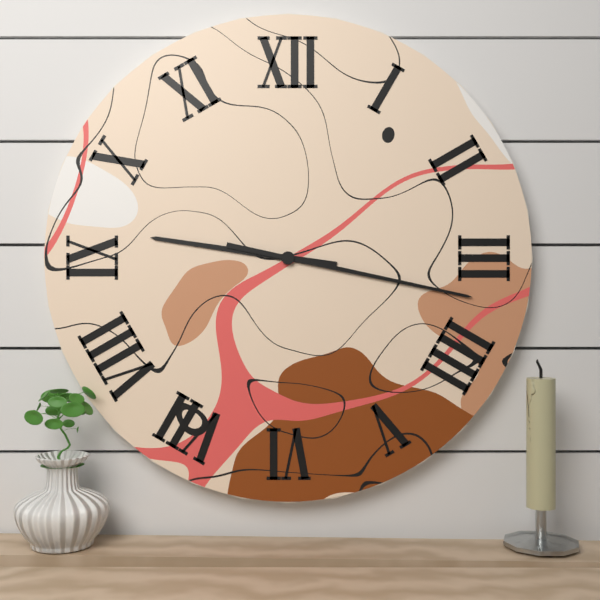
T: 9:17
